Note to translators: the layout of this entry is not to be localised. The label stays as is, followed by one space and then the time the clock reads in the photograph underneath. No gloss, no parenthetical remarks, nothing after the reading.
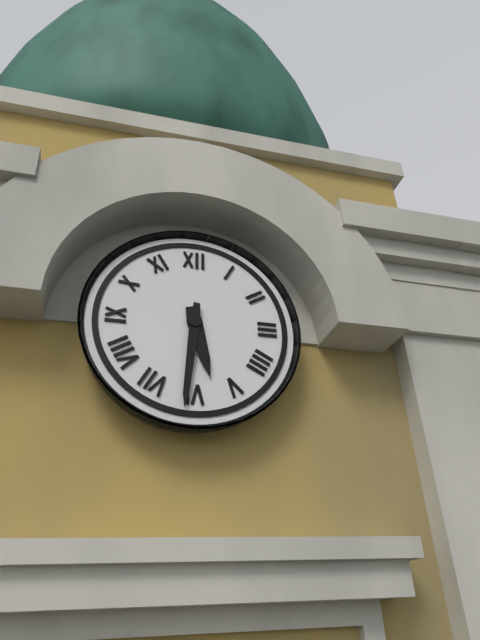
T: 5:31
